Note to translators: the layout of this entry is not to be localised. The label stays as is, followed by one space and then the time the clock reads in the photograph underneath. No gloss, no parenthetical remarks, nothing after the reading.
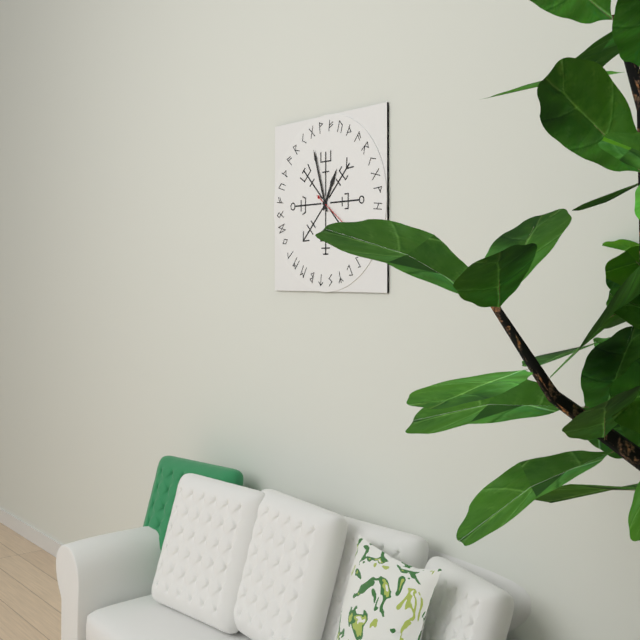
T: 12:57
